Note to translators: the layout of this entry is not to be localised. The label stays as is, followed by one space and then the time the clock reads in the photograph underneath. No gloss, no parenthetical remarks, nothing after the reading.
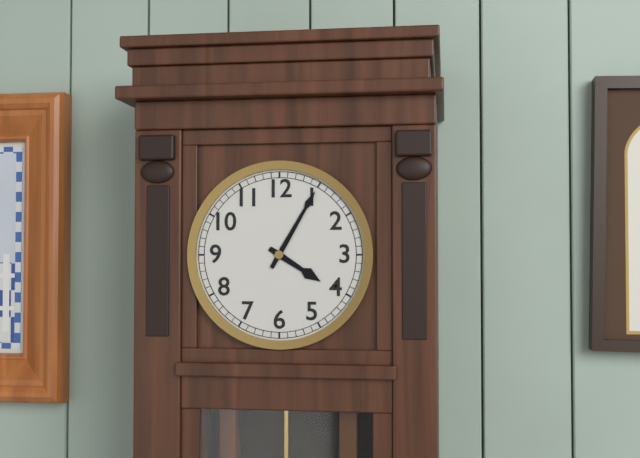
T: 4:05
